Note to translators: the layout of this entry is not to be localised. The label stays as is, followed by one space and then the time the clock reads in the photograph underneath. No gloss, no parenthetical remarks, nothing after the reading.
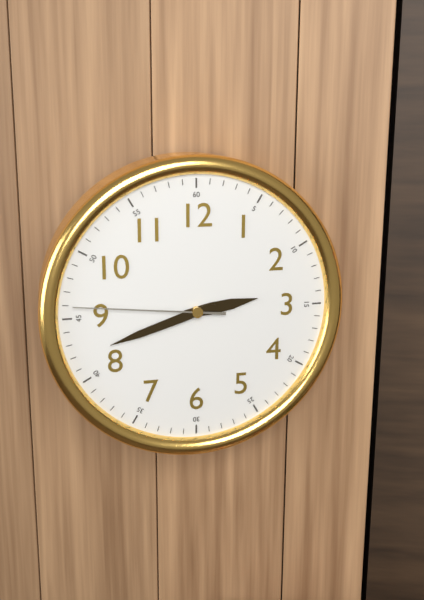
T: 2:42:46
